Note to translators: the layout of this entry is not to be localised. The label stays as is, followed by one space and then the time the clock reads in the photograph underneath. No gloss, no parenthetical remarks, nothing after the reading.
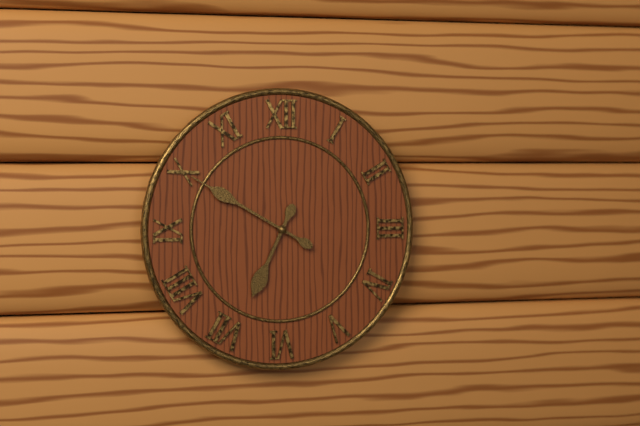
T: 6:50
